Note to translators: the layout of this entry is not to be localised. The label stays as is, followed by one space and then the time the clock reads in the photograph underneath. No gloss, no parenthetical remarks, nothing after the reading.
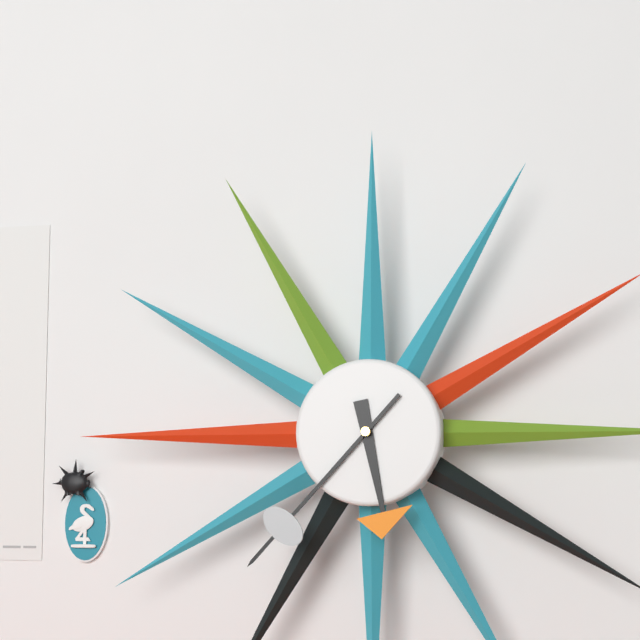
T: 5:37
